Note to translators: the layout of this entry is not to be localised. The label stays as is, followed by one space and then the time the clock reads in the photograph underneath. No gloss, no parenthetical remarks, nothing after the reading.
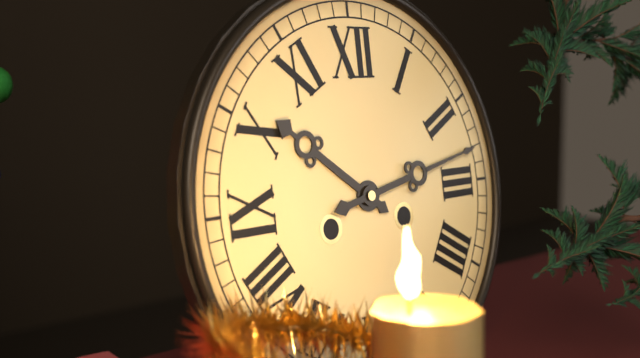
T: 10:13
